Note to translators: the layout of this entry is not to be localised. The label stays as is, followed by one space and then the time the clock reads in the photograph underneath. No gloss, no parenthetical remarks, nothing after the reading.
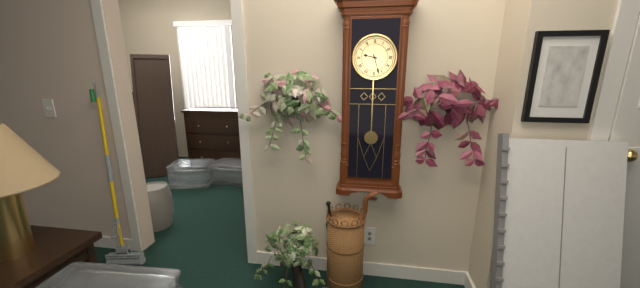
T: 9:27
